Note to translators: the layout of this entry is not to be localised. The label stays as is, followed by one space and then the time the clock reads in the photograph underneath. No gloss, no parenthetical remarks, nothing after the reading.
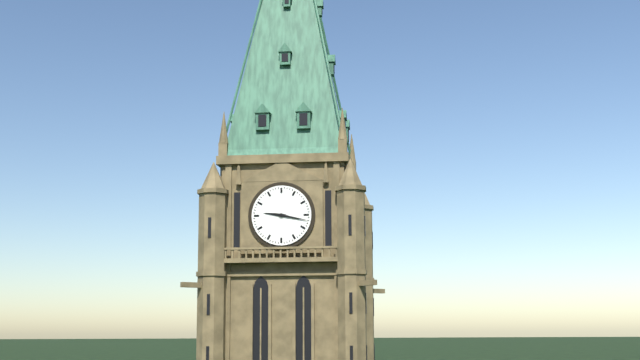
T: 9:17
